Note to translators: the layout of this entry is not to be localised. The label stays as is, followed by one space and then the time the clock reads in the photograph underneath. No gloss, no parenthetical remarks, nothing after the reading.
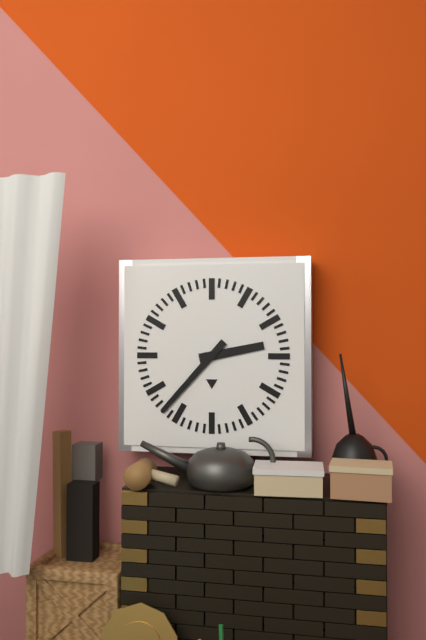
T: 2:37
